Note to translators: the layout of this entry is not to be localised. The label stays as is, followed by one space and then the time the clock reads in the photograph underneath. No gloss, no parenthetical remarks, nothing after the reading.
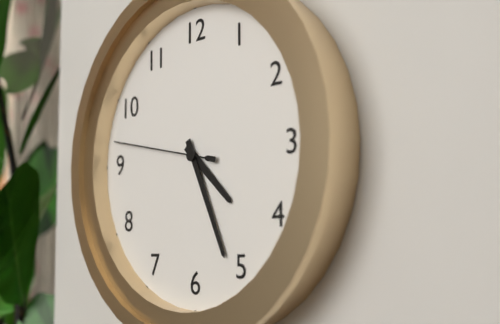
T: 4:26:47
